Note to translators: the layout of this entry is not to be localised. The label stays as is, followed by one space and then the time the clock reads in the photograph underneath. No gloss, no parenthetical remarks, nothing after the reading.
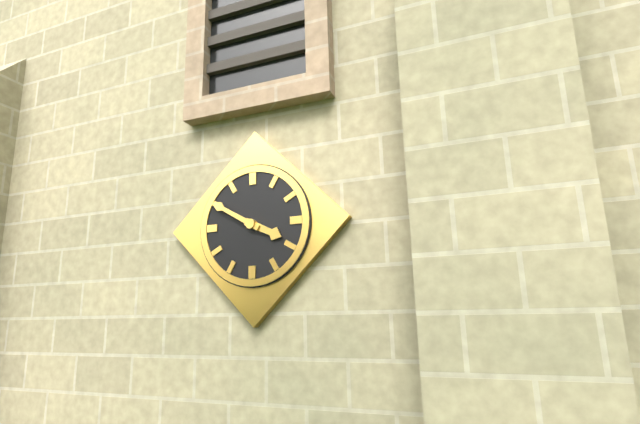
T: 3:50
